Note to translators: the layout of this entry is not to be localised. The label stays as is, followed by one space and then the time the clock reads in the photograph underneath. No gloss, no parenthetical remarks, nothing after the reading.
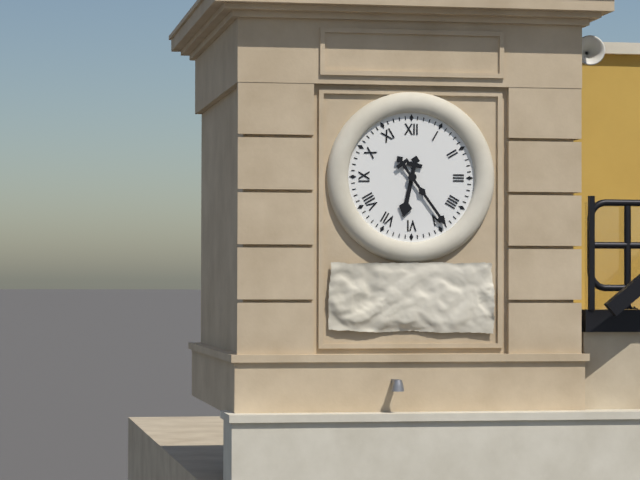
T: 6:24
